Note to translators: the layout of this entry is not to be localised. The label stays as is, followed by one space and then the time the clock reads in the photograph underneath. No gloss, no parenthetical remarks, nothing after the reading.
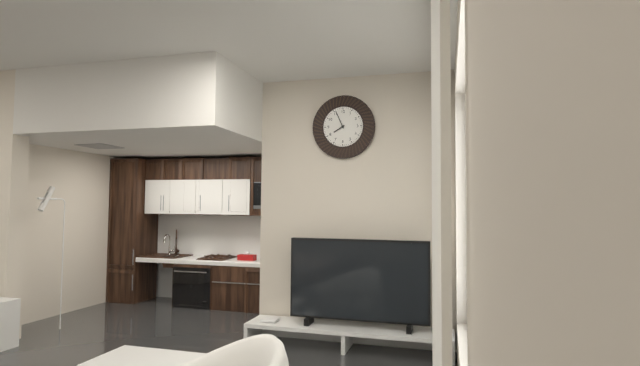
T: 7:56
